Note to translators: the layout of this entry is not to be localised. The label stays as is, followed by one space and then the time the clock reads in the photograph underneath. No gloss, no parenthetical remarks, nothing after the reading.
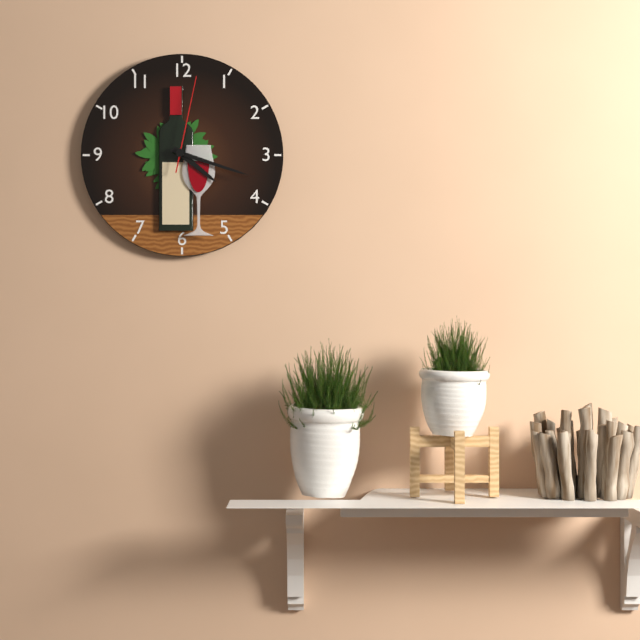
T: 4:18:02
